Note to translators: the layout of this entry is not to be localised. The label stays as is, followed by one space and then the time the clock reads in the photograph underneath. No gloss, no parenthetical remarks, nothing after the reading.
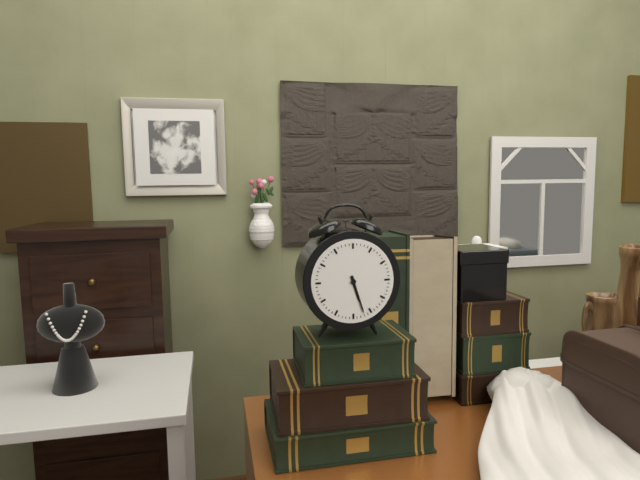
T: 5:27
